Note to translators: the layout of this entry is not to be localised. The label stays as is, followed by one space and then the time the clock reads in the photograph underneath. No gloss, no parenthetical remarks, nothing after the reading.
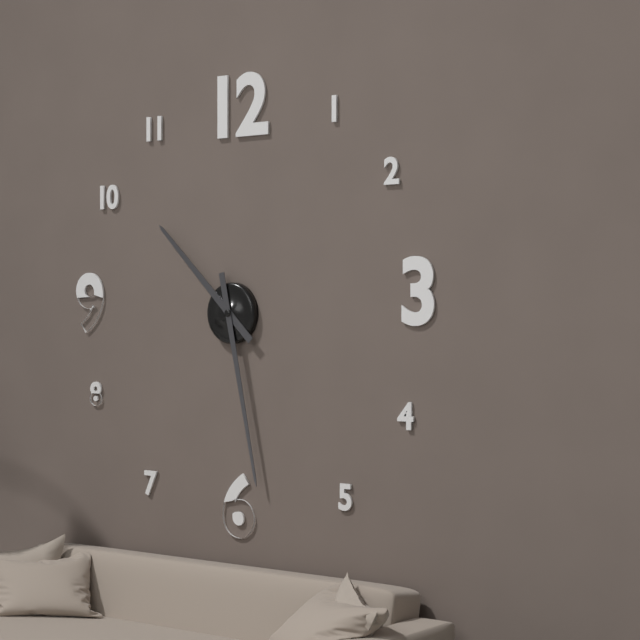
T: 10:28
